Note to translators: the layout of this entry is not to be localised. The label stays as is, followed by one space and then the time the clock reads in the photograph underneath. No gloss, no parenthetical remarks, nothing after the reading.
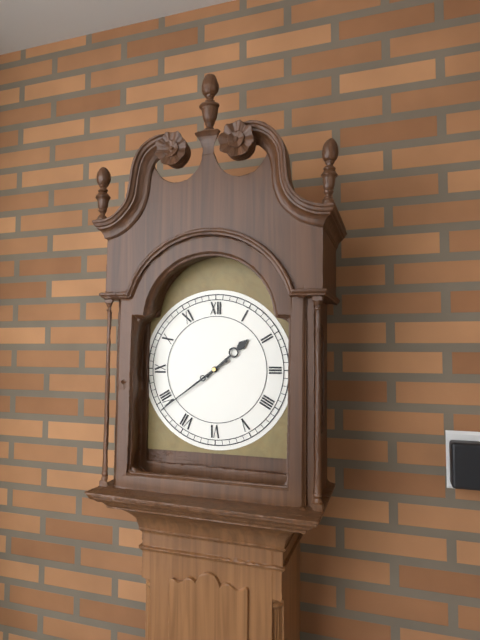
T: 1:39
